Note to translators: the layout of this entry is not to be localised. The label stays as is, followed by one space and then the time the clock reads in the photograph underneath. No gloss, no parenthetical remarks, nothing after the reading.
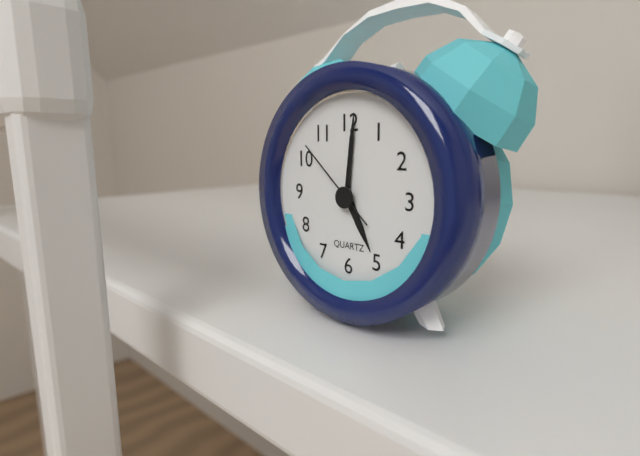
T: 5:01:52
